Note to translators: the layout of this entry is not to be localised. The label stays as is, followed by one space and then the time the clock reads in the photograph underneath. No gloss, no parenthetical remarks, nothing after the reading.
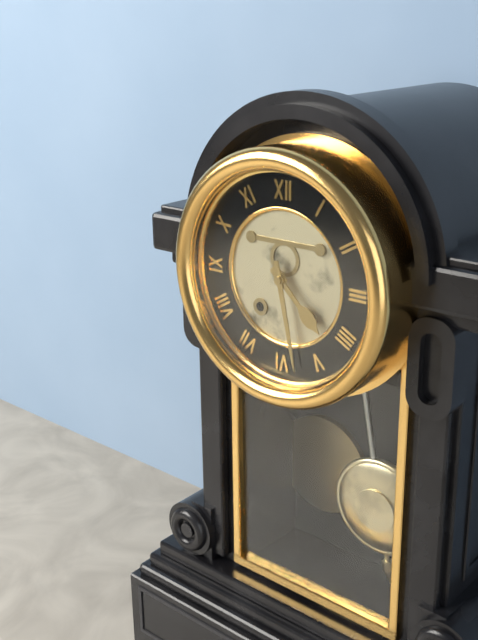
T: 4:28
